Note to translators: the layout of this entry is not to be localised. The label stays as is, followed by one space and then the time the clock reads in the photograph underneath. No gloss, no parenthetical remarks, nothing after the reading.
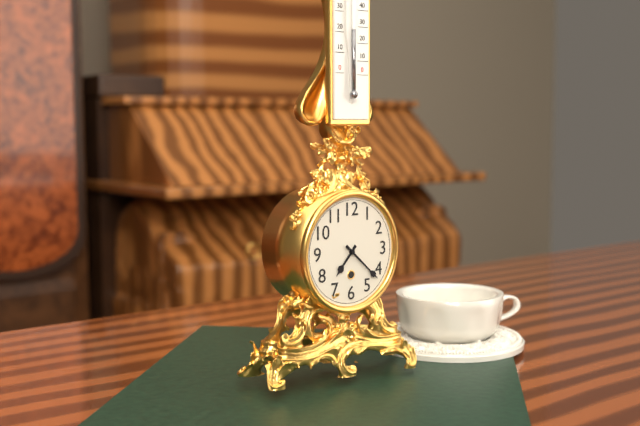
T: 7:22
